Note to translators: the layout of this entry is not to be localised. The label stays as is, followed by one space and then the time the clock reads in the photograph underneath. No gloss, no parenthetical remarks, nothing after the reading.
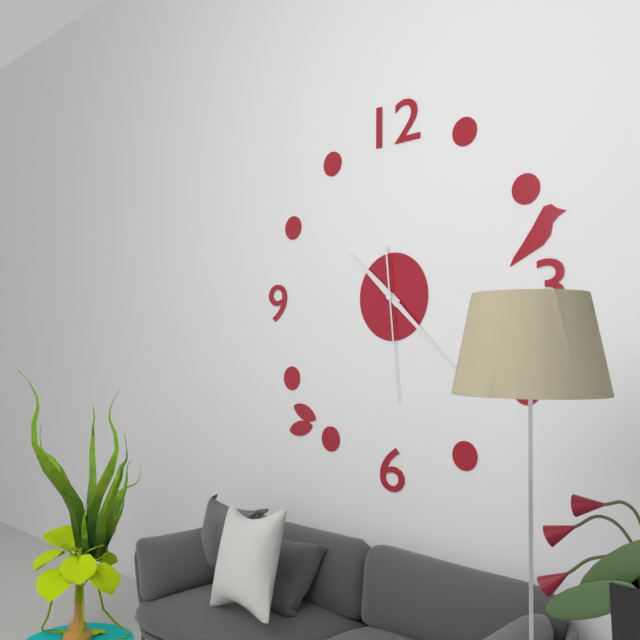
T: 10:22:29
